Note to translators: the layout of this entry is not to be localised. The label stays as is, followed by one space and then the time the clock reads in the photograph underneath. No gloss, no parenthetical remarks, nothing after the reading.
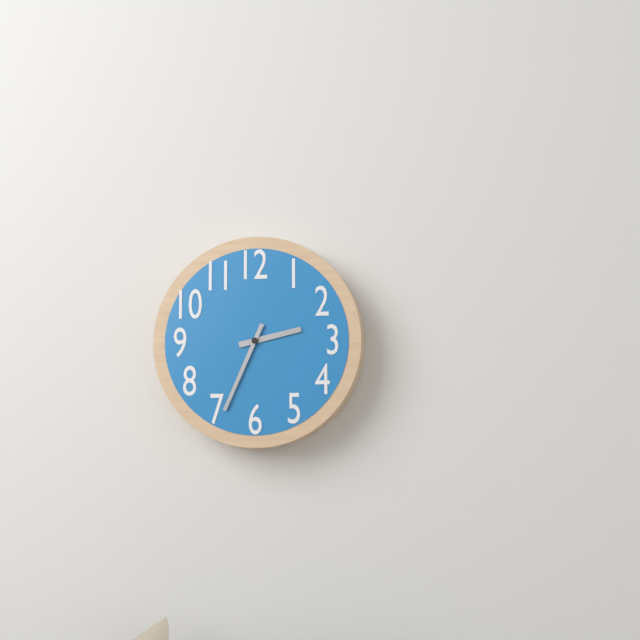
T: 2:34
